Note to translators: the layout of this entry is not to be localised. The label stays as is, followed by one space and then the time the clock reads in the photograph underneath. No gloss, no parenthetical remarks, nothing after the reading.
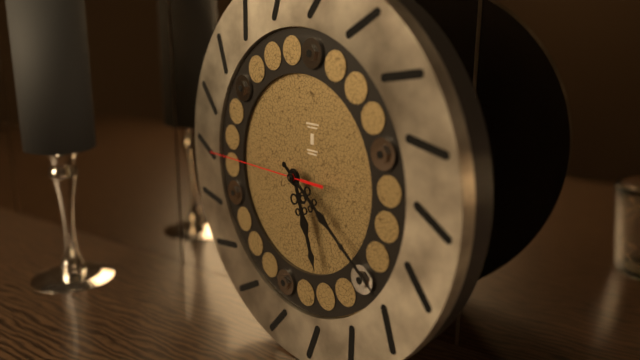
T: 5:21:45
